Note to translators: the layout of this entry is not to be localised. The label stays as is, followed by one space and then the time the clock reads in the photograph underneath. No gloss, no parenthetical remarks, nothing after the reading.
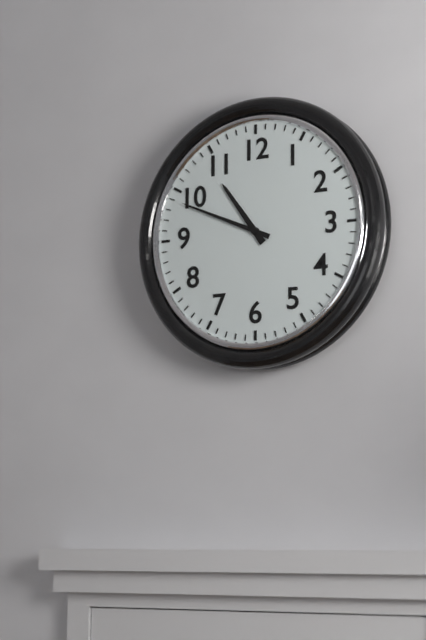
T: 10:49
